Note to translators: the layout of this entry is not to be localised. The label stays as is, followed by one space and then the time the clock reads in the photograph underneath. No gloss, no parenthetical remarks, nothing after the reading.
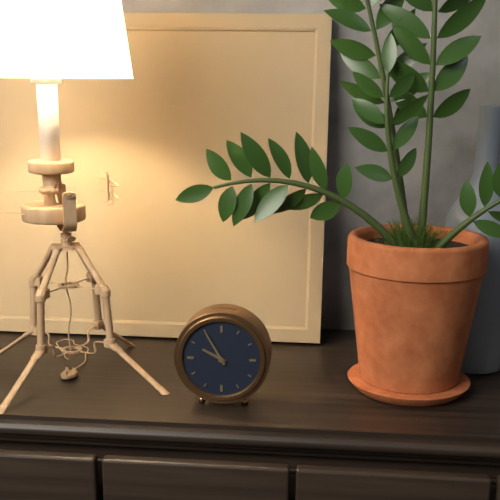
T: 9:55
